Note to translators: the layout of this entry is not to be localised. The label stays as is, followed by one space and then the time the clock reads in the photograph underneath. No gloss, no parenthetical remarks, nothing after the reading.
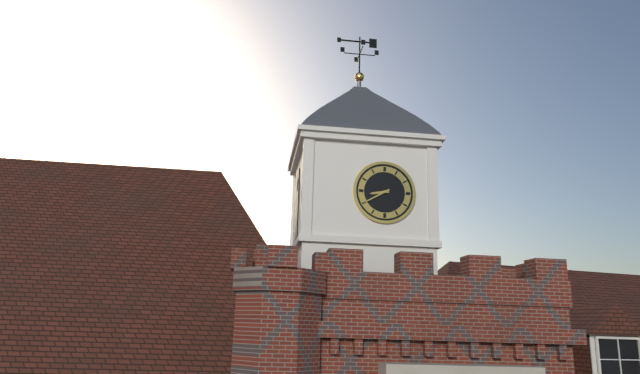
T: 8:40
